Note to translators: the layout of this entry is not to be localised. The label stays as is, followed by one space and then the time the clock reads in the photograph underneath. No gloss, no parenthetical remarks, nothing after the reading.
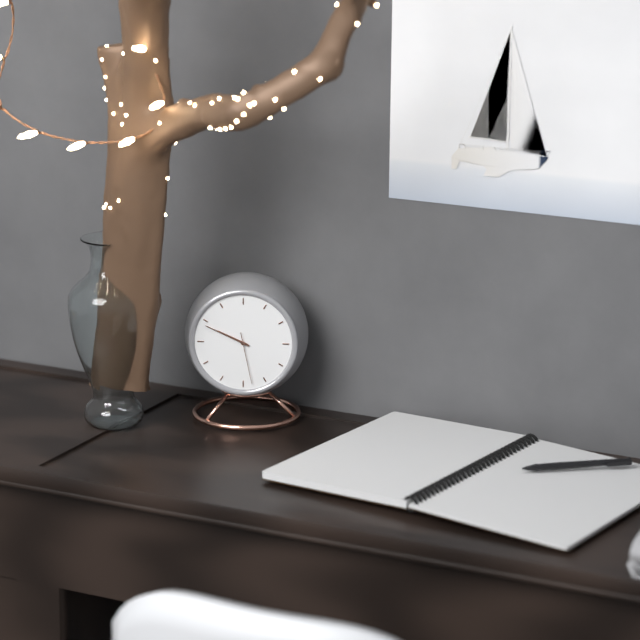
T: 9:49:28
